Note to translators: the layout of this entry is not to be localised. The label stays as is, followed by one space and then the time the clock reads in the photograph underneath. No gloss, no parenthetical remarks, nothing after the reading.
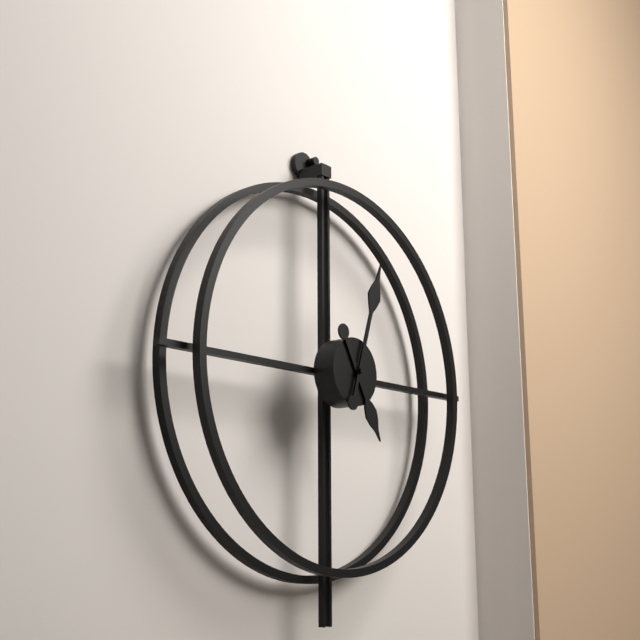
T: 5:03
